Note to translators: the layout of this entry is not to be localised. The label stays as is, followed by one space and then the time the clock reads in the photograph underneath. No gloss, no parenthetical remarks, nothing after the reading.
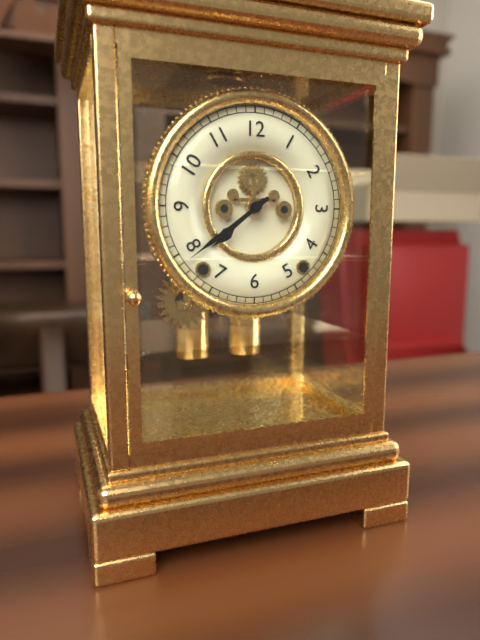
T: 7:39
